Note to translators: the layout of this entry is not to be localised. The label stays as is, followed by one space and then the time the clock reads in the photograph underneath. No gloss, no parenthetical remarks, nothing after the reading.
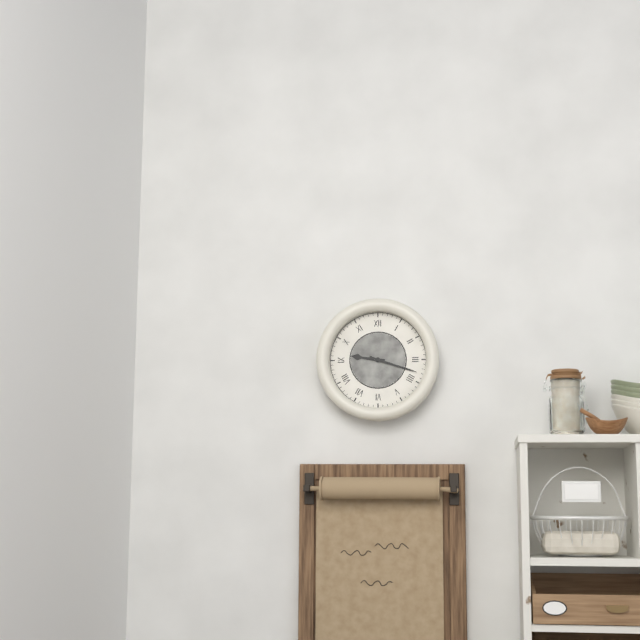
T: 9:18
